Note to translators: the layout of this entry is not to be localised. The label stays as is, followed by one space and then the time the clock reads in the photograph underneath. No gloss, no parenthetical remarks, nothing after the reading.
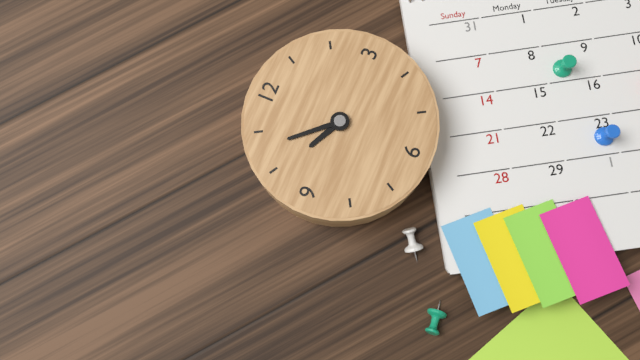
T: 9:53
